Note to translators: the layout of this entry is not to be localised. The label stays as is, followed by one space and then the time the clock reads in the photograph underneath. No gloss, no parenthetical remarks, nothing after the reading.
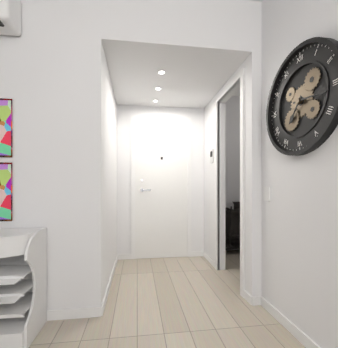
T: 7:16
